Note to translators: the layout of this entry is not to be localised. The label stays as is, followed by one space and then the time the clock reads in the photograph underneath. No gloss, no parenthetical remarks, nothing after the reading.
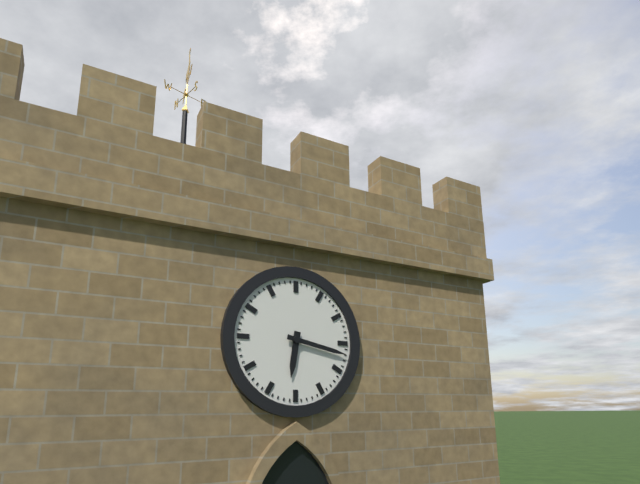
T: 6:17
